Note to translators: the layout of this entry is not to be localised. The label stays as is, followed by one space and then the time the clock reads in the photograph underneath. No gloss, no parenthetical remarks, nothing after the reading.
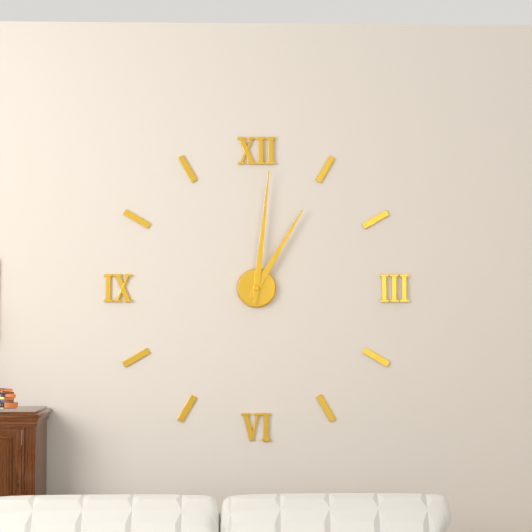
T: 1:01
